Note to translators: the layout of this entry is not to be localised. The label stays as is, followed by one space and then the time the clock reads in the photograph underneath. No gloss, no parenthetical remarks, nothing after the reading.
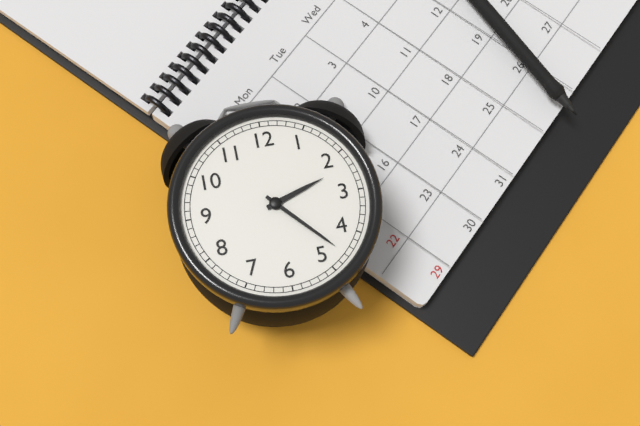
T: 2:23
